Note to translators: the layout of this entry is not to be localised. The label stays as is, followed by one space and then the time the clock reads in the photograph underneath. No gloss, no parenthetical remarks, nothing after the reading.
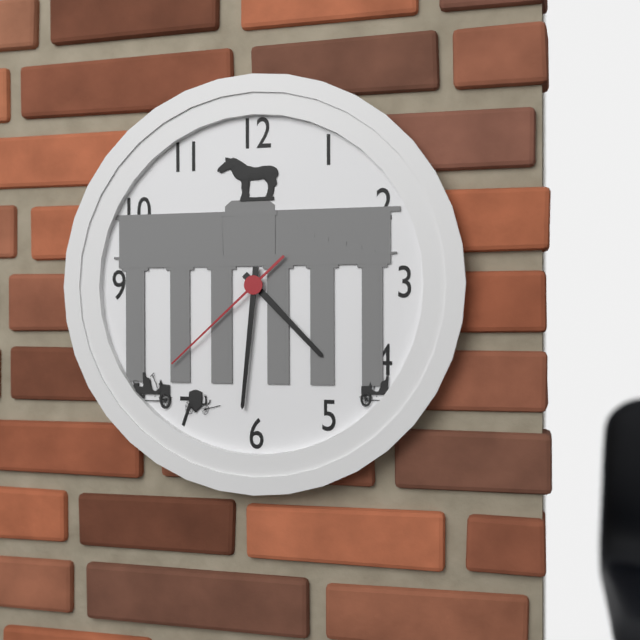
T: 4:31:38
